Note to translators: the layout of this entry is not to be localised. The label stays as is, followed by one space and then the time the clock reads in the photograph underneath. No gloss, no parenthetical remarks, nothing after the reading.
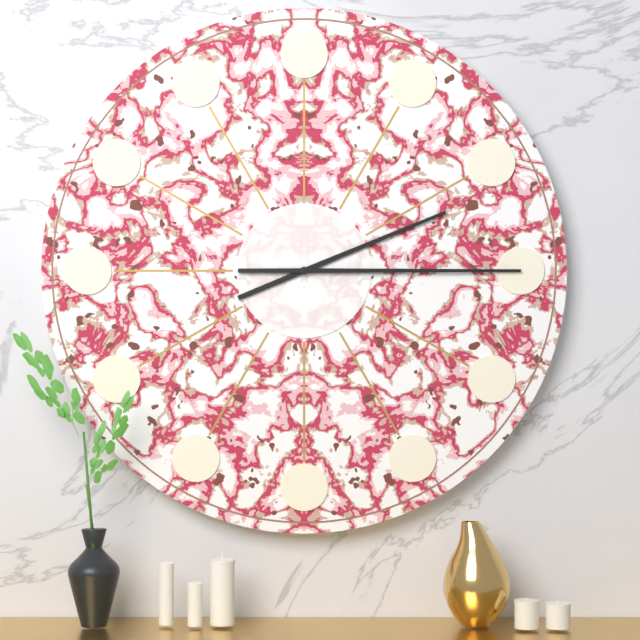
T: 2:15
